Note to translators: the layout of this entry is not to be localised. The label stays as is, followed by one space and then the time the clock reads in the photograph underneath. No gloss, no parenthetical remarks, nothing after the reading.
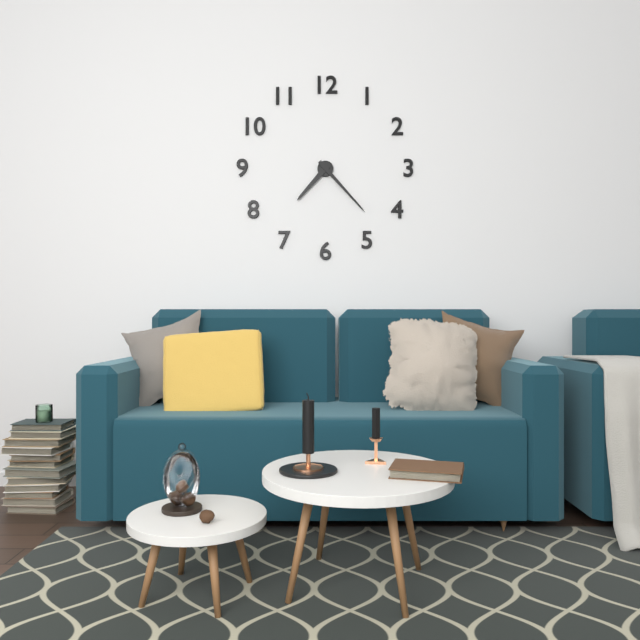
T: 7:23
